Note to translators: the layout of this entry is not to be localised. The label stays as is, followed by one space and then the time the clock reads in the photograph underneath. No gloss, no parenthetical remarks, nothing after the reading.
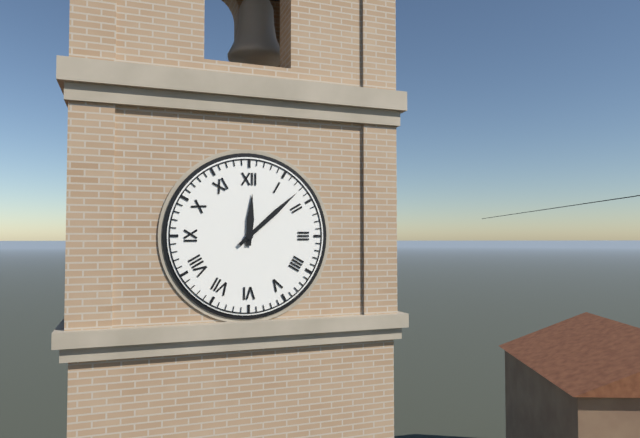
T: 12:08
